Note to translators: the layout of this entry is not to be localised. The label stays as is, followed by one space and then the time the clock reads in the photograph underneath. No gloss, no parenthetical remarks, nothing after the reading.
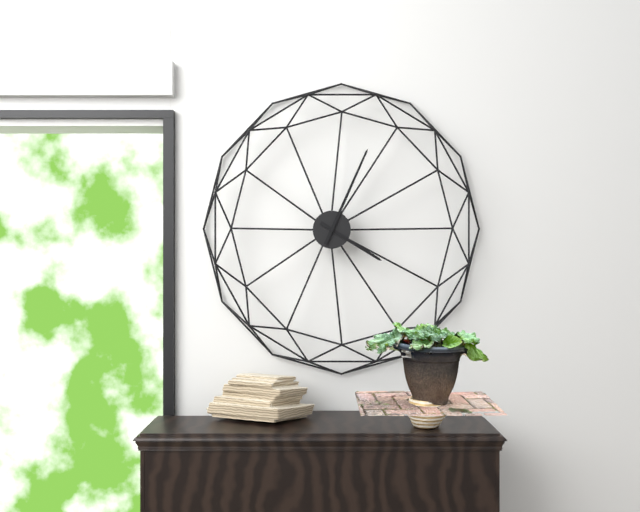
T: 4:04
